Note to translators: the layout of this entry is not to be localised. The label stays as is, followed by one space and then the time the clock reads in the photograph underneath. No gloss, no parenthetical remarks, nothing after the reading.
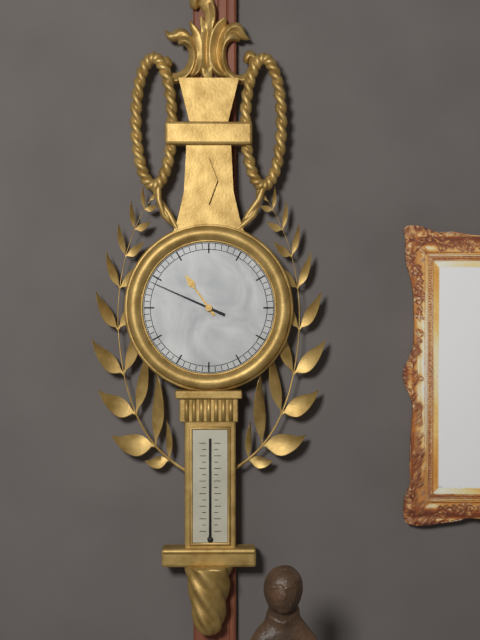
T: 10:49
